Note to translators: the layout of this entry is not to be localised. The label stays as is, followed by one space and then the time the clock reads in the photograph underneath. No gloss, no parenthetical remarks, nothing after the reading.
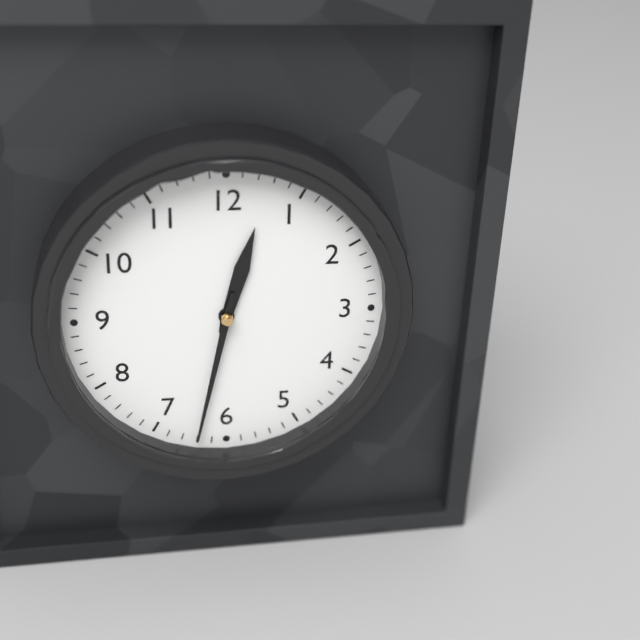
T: 12:32
